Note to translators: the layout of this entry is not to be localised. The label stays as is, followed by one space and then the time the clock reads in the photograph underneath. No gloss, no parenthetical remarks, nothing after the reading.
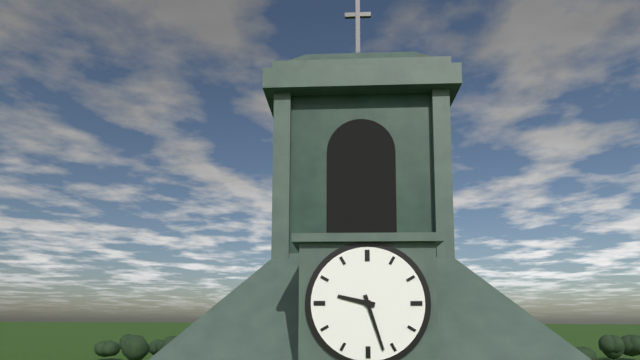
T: 9:27
